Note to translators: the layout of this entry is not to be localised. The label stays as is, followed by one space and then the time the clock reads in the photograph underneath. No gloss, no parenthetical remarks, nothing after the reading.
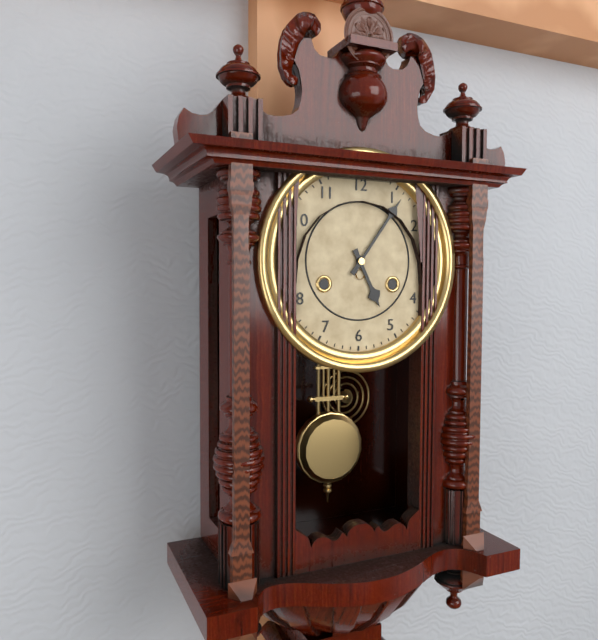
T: 5:06
